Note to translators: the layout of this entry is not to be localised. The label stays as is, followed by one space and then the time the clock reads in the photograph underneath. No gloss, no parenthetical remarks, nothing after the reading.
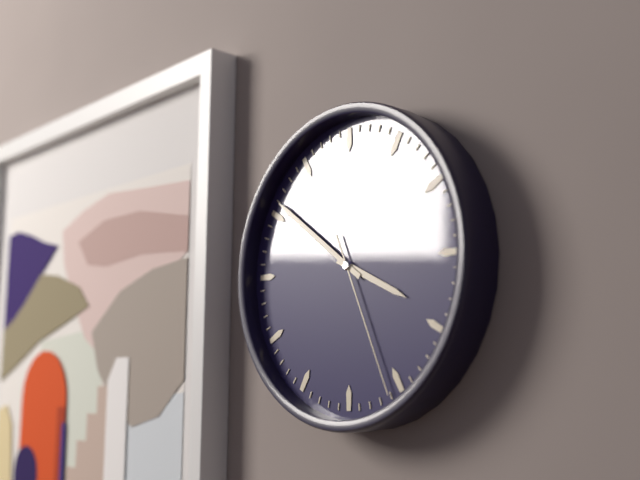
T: 3:51:26
